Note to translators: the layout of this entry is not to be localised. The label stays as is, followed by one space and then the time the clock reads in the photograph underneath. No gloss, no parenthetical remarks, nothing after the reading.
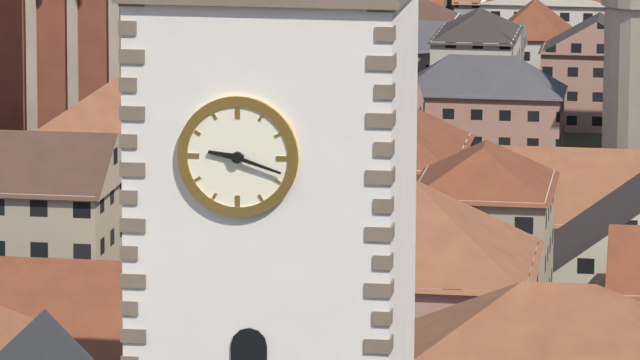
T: 9:18
